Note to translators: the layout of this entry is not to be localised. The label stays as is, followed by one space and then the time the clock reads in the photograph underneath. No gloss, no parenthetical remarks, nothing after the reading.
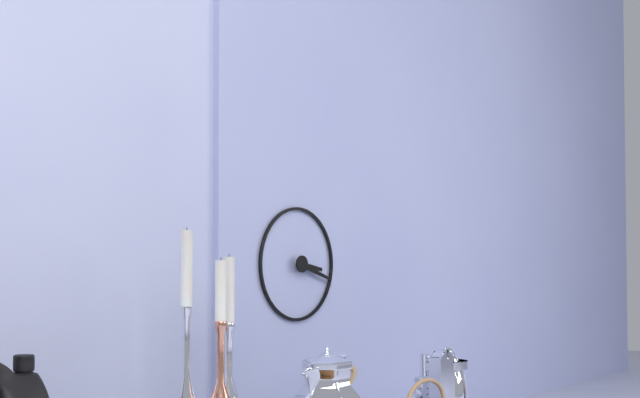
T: 3:18
